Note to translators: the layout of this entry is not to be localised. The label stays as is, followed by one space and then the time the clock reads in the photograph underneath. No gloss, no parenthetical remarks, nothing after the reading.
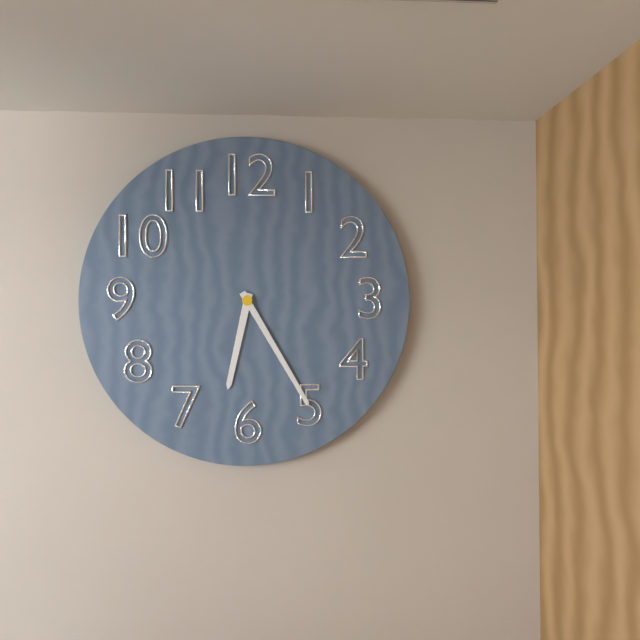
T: 6:25
